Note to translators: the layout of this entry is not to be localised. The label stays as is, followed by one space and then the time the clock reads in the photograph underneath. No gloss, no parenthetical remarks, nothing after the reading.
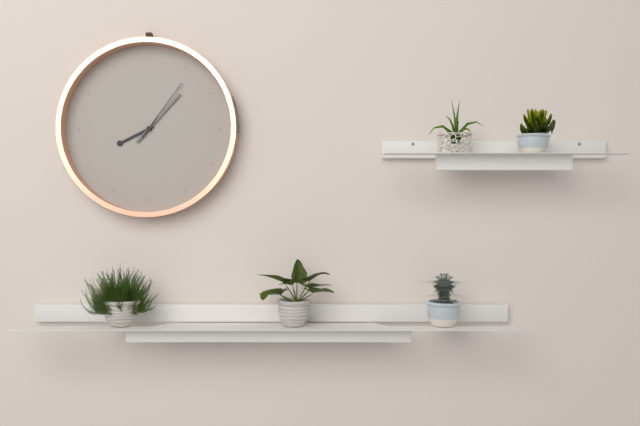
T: 8:07:06
